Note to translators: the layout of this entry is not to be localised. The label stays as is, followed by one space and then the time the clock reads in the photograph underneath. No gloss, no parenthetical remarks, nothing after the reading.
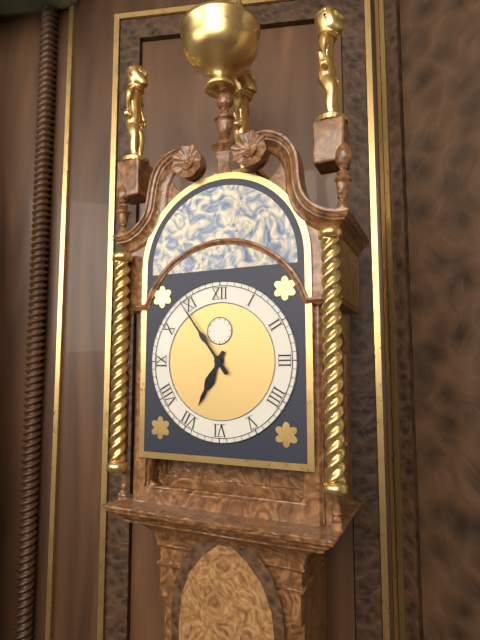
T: 6:54
